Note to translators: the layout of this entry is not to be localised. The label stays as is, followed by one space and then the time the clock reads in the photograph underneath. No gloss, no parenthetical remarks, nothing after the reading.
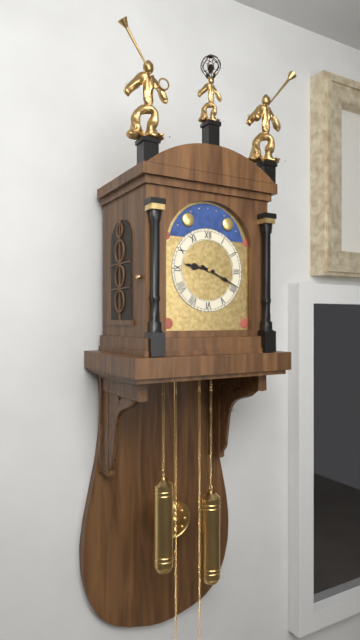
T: 9:19
